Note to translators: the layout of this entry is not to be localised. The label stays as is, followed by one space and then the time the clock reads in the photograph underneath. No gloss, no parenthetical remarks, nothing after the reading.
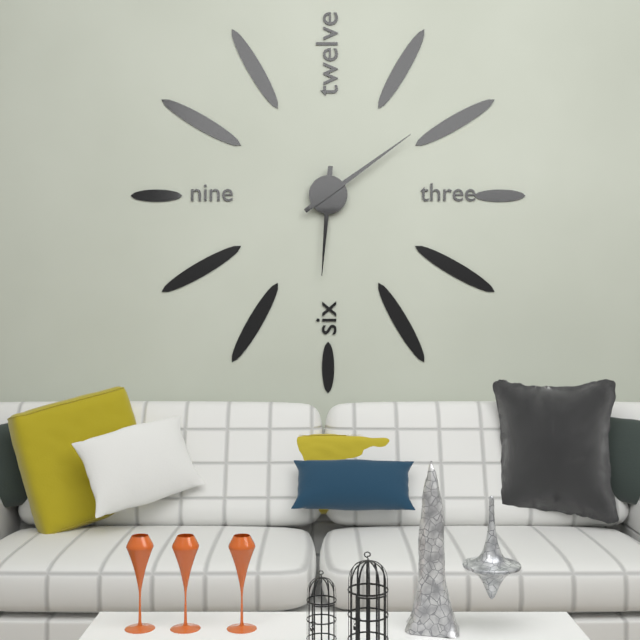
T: 6:09
